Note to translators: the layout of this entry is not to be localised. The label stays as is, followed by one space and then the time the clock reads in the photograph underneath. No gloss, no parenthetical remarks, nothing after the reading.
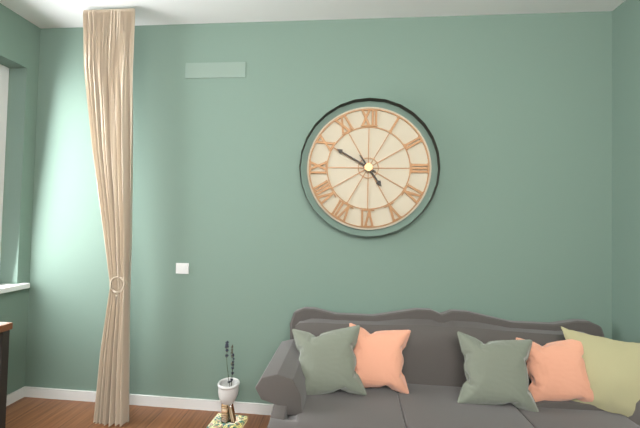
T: 4:50
